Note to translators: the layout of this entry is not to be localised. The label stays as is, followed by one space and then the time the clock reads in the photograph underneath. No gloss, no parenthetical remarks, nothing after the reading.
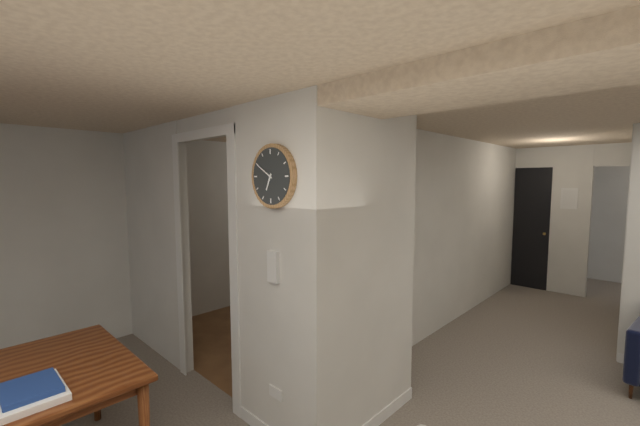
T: 6:50
